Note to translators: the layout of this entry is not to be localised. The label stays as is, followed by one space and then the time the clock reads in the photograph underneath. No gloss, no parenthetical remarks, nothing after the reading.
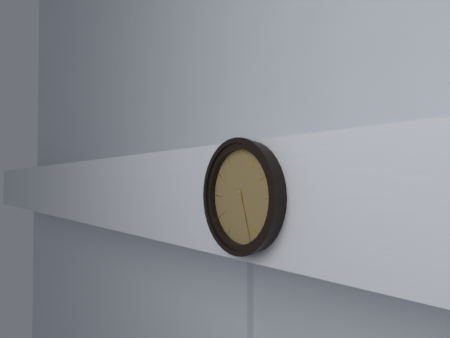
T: 5:27
